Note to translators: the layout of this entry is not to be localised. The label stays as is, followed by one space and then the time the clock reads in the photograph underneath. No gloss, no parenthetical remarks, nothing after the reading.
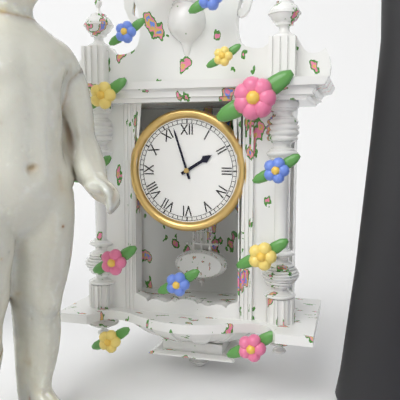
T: 1:57
